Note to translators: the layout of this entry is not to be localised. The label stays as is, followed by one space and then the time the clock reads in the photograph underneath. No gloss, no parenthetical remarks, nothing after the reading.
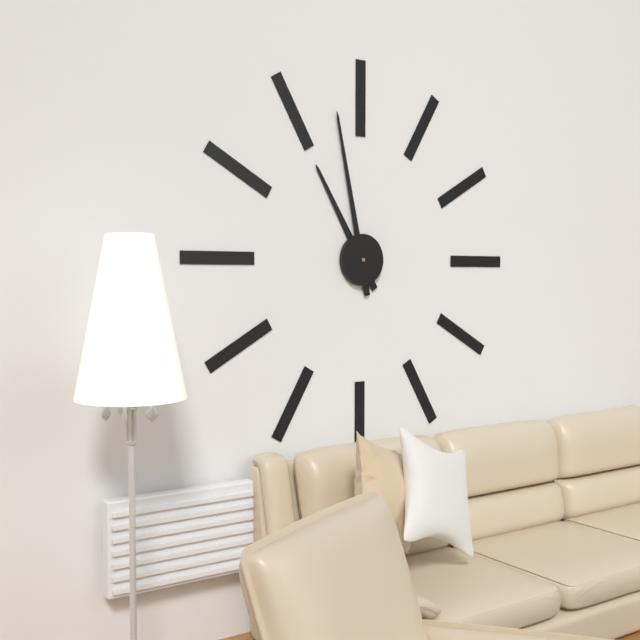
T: 10:58
